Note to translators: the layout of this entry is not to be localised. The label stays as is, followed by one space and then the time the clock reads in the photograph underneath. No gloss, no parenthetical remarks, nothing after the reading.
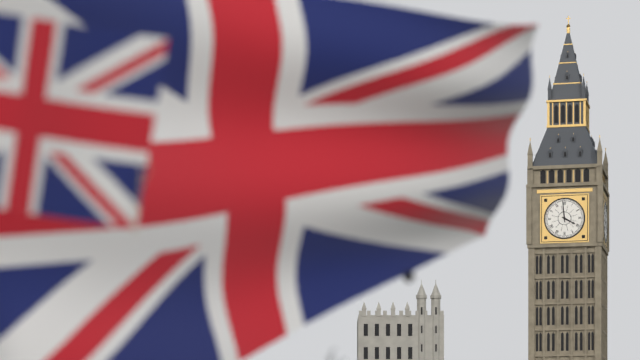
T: 3:59
